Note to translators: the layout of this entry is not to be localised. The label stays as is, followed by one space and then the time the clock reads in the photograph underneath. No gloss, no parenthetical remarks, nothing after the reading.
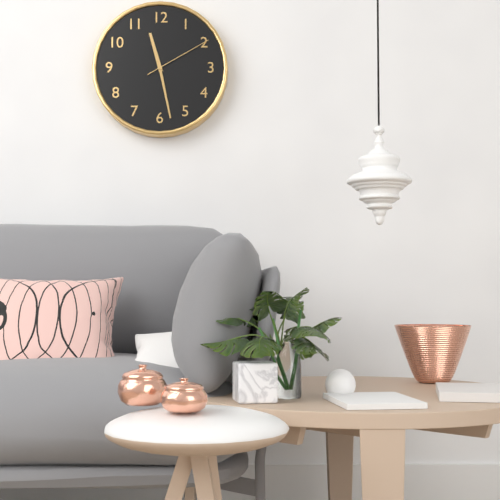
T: 11:28:10
